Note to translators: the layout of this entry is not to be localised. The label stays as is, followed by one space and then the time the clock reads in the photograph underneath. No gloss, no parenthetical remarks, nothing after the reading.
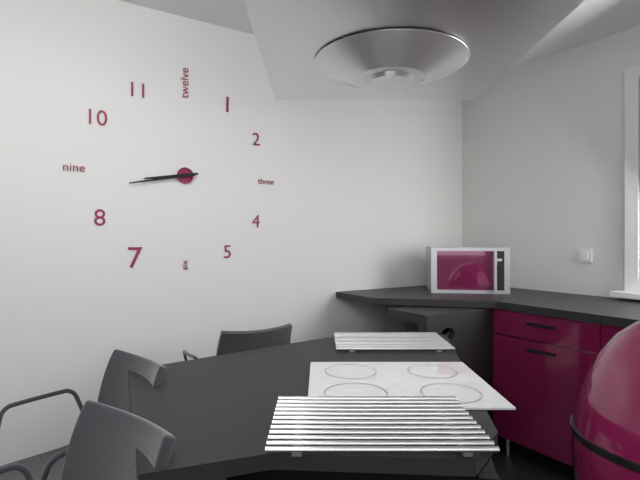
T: 8:43
